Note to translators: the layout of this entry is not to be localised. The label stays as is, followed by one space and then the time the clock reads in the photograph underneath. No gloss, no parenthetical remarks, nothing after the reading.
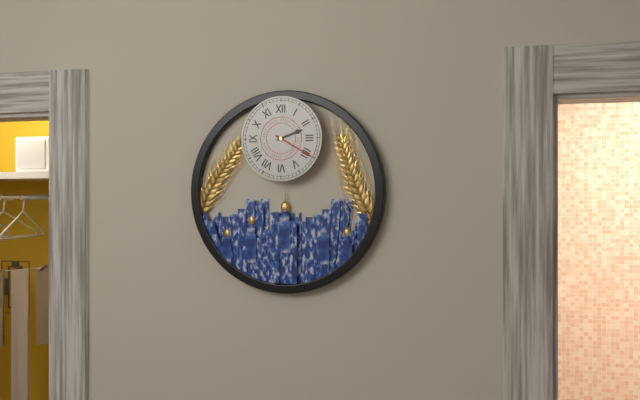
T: 2:20
